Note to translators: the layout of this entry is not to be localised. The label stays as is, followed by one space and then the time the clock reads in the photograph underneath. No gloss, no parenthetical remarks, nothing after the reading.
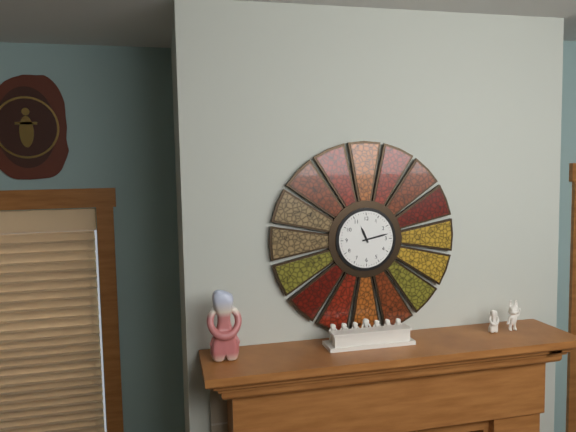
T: 11:13
